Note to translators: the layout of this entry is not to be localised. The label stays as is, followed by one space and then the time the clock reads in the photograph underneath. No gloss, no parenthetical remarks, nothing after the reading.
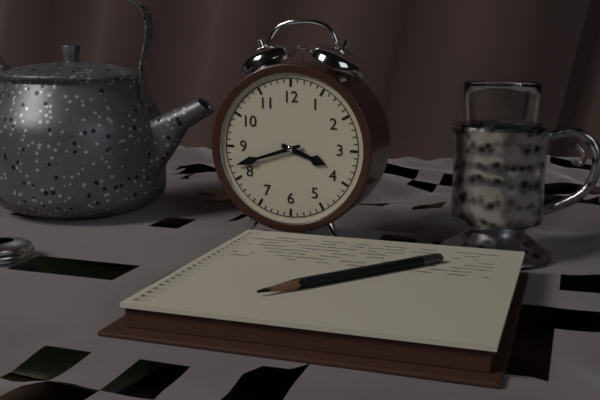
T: 3:42
